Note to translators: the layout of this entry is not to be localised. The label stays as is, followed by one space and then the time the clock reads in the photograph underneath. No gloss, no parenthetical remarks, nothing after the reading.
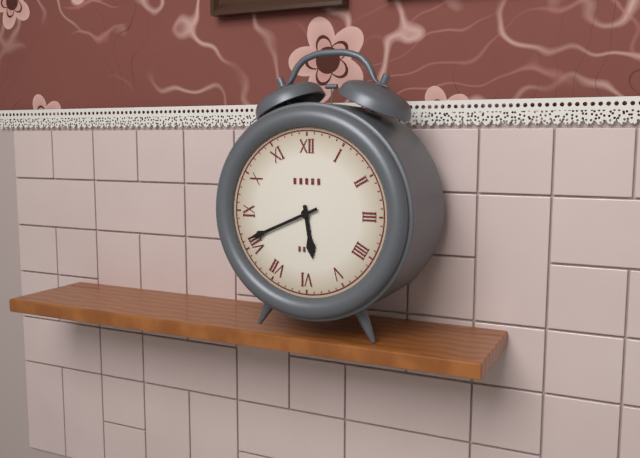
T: 5:41
